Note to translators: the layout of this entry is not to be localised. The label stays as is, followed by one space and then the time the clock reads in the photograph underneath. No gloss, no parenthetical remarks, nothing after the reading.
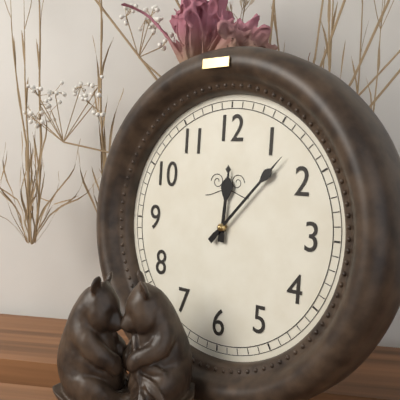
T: 12:07
